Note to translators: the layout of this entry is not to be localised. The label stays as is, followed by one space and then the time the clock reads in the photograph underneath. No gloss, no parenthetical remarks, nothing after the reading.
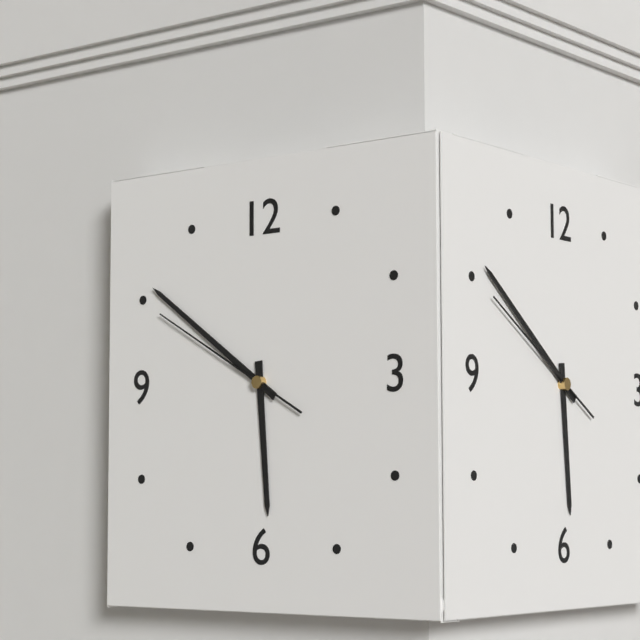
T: 5:51:50
